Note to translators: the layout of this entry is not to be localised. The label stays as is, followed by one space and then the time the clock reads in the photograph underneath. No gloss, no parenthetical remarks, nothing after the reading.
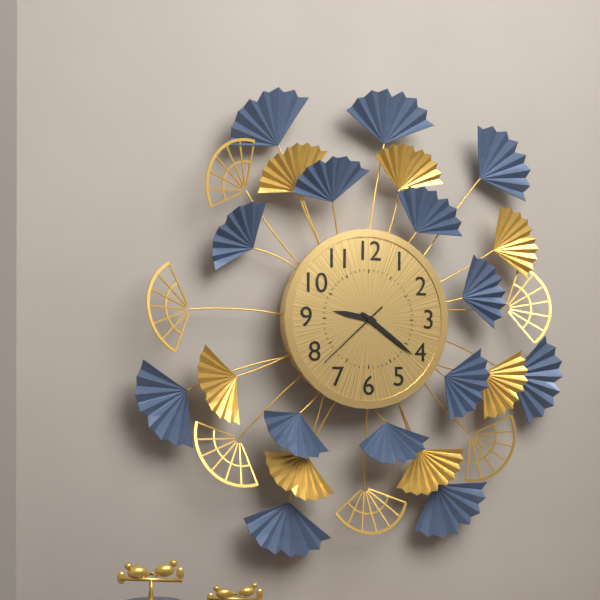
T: 9:21:38
